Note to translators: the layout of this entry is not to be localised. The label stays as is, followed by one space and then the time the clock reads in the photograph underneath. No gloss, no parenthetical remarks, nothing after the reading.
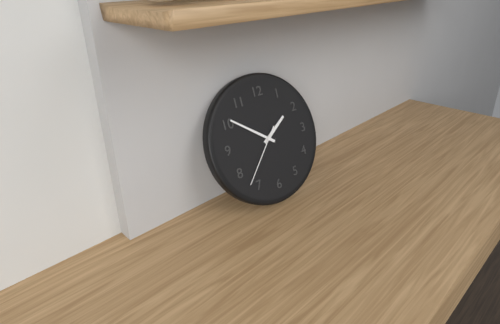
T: 1:51:37
